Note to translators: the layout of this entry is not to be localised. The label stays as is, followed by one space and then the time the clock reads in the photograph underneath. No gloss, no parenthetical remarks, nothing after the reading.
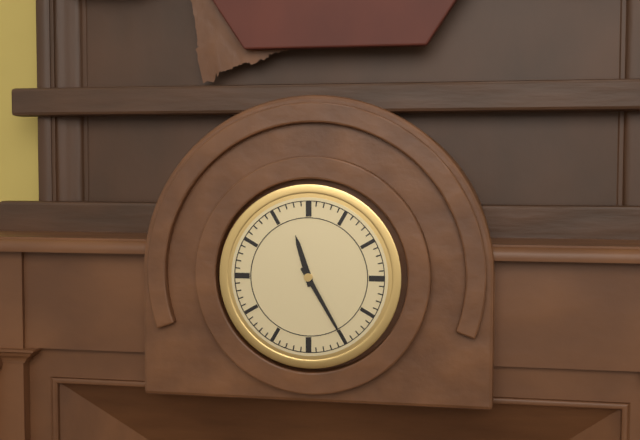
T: 11:25
